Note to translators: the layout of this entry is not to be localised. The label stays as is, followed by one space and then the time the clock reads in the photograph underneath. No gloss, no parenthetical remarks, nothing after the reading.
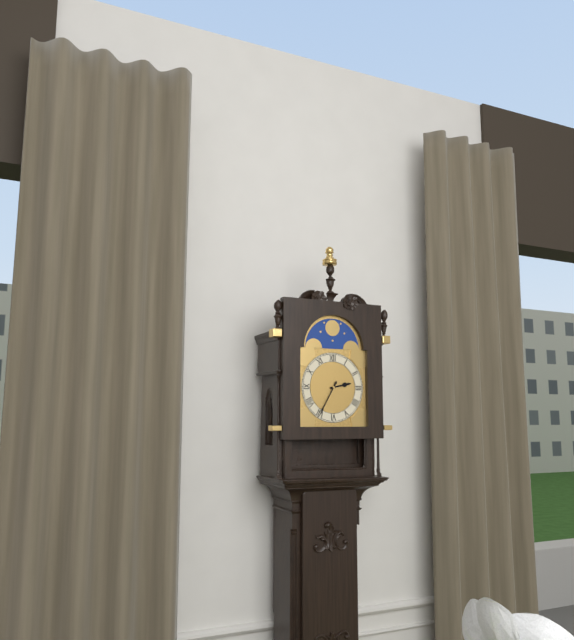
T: 2:35
